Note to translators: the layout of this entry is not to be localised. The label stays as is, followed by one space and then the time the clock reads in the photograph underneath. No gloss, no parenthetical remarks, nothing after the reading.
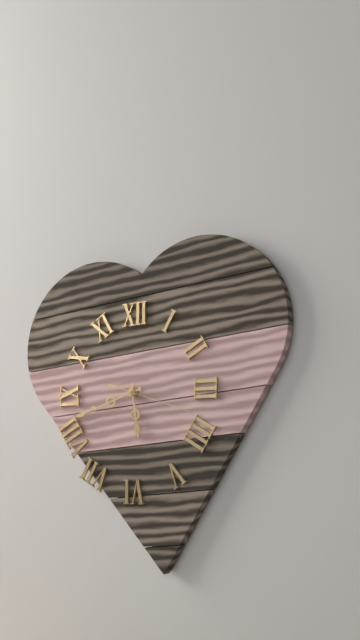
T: 5:42:18
